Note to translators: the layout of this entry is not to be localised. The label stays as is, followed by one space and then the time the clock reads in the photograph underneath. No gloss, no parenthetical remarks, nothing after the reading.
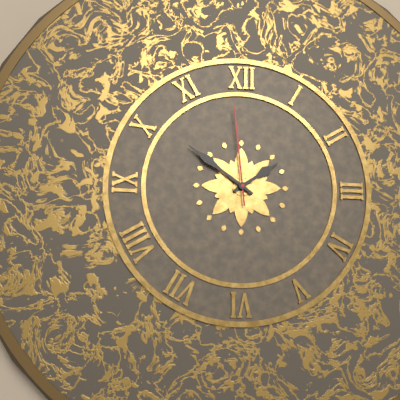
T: 1:51:59
